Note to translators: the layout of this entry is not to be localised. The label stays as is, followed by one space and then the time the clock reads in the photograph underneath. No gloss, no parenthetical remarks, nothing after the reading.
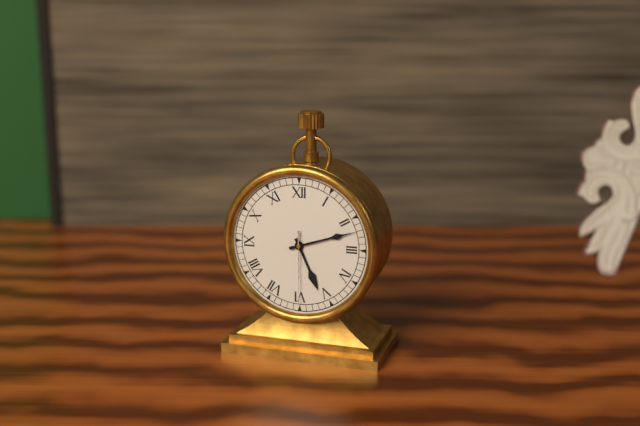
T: 5:12:30
